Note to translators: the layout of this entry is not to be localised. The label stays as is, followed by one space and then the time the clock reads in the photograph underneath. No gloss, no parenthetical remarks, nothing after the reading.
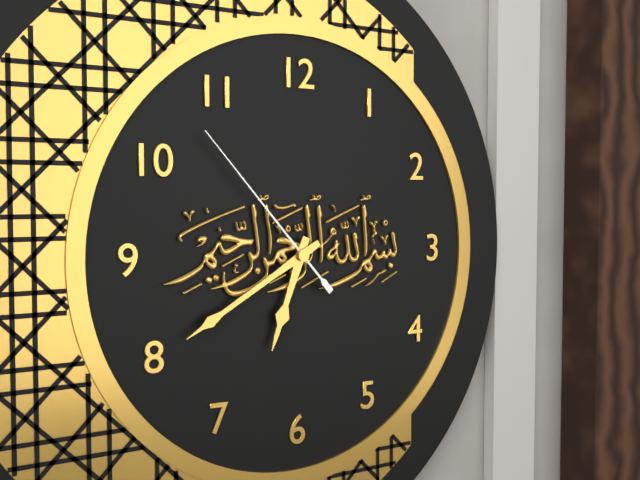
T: 6:40:53
